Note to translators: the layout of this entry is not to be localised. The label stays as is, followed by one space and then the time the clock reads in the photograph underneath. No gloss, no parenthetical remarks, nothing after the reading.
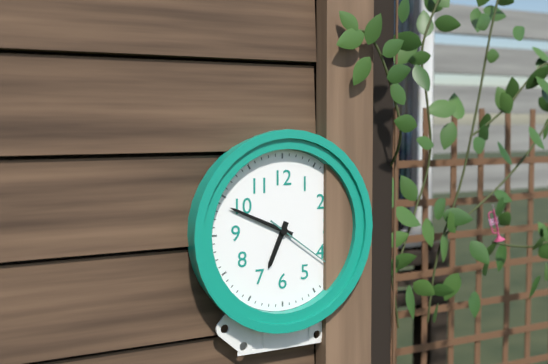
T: 6:49:21
